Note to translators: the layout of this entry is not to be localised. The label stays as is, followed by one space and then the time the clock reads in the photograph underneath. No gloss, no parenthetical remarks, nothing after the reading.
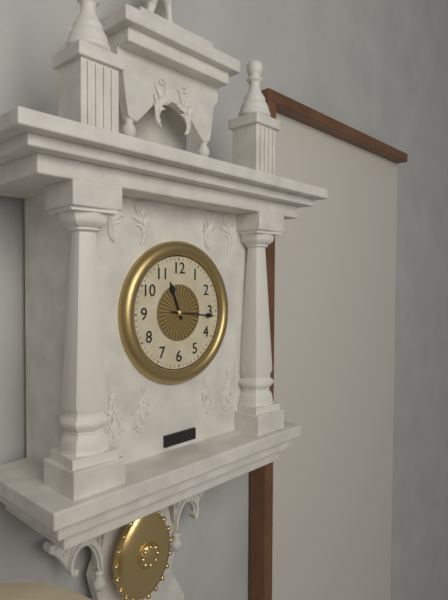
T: 11:16
